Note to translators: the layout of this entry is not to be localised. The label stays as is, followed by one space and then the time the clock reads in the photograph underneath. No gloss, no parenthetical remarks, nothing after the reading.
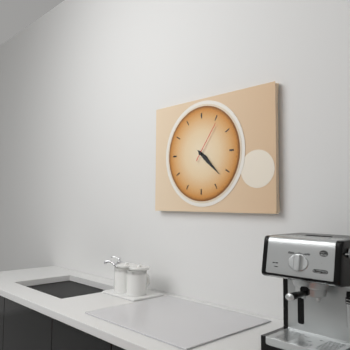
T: 4:22
